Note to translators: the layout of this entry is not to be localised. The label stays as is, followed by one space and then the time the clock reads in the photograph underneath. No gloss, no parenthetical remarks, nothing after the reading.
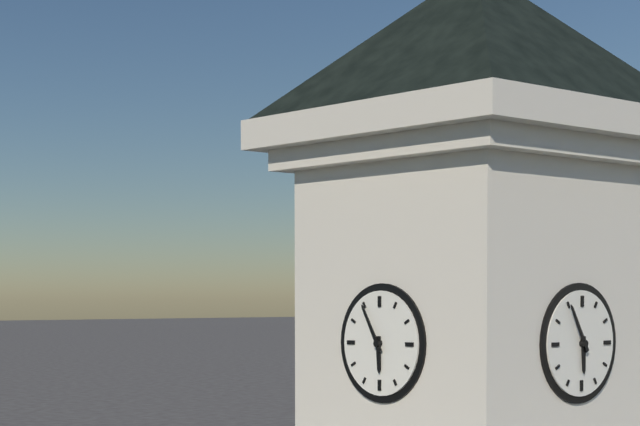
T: 5:55
